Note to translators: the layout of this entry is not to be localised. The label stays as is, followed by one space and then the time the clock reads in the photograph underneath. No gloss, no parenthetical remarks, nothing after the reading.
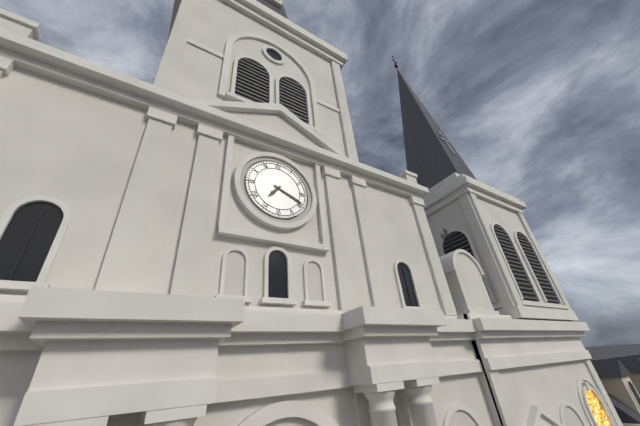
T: 7:19
